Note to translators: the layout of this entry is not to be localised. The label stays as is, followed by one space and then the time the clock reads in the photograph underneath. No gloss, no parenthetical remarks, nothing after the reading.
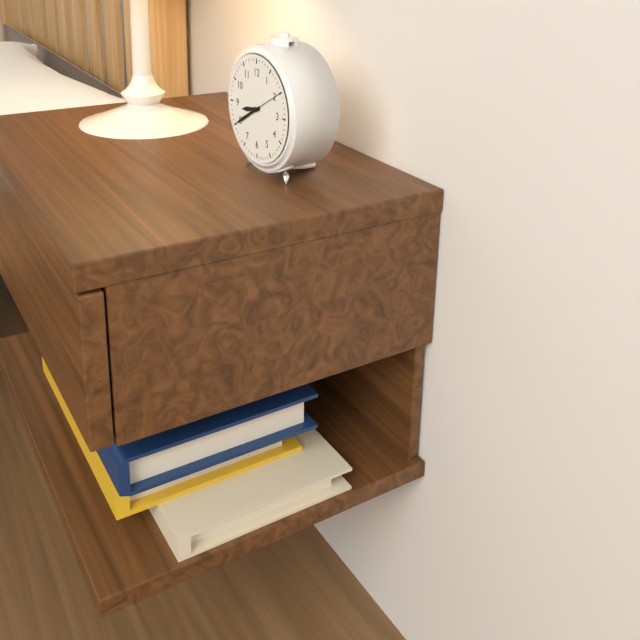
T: 8:40
